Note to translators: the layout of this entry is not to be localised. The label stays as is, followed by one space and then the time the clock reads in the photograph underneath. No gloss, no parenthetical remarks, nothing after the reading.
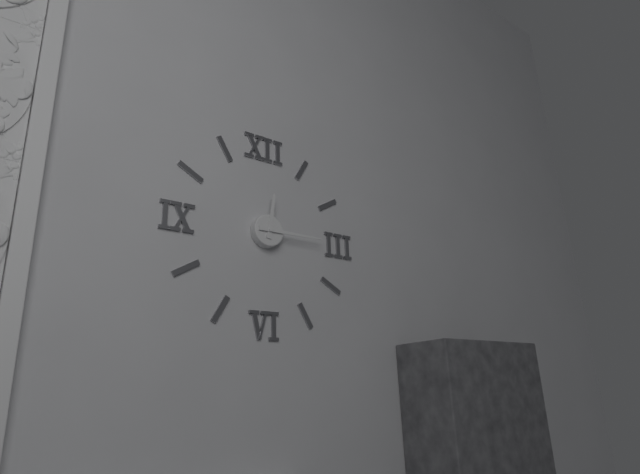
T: 12:15
